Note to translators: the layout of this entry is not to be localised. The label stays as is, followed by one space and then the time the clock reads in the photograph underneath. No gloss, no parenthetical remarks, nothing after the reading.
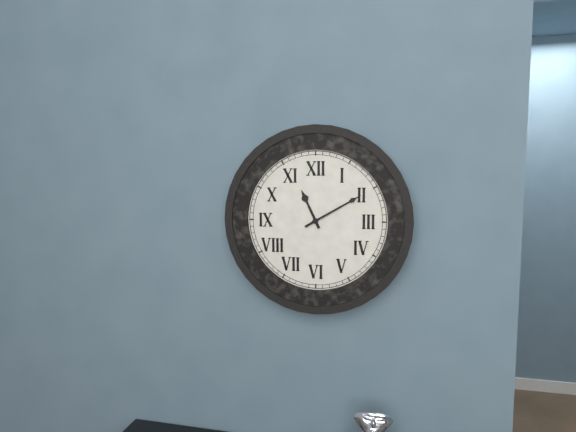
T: 11:10
